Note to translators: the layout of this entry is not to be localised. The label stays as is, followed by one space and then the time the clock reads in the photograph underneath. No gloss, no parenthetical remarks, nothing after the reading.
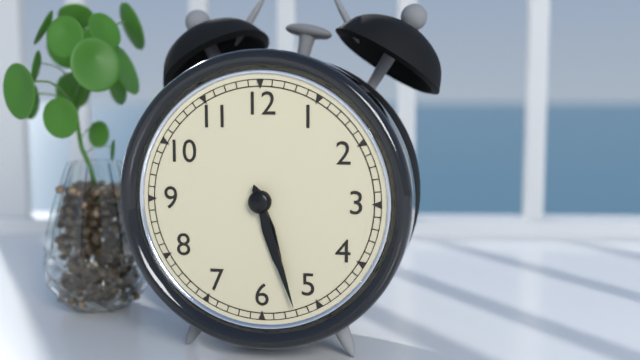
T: 5:27
